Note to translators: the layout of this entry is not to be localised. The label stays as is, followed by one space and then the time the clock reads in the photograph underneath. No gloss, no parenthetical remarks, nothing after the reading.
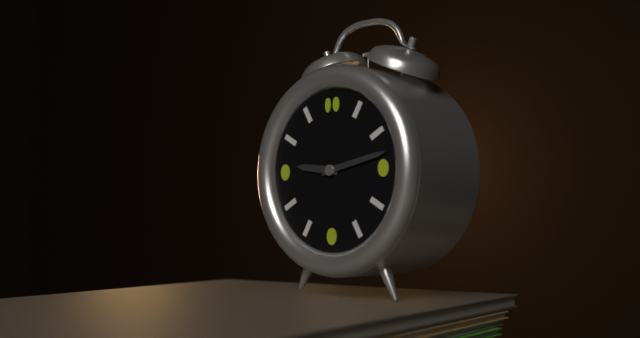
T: 9:13
